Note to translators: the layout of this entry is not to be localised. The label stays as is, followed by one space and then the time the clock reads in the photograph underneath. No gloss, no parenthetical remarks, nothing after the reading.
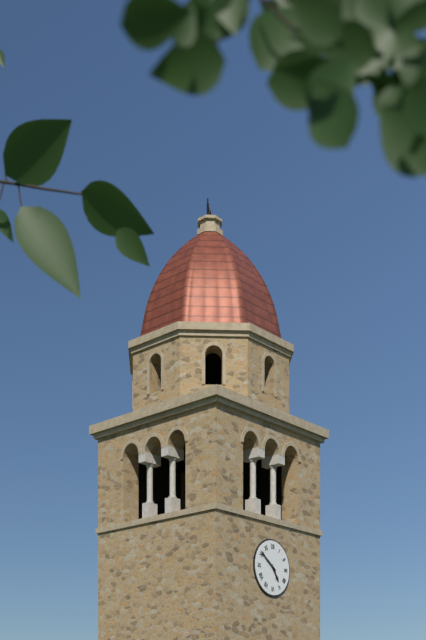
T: 4:51
